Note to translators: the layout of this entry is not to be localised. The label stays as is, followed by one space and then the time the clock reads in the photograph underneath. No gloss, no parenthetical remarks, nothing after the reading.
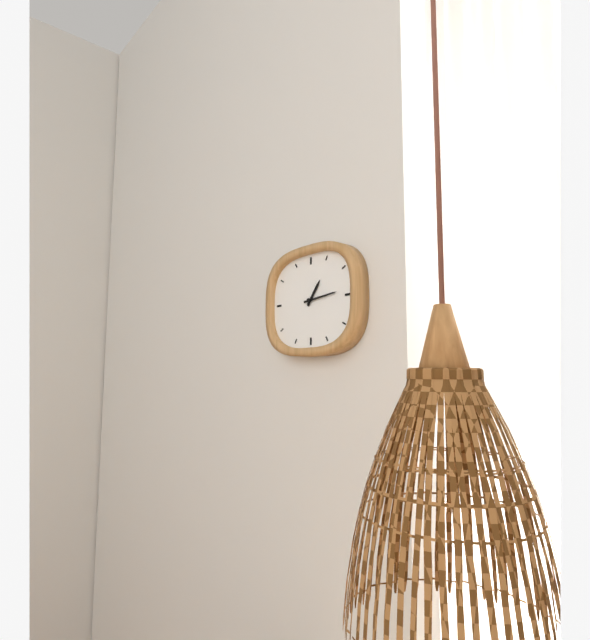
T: 1:14
